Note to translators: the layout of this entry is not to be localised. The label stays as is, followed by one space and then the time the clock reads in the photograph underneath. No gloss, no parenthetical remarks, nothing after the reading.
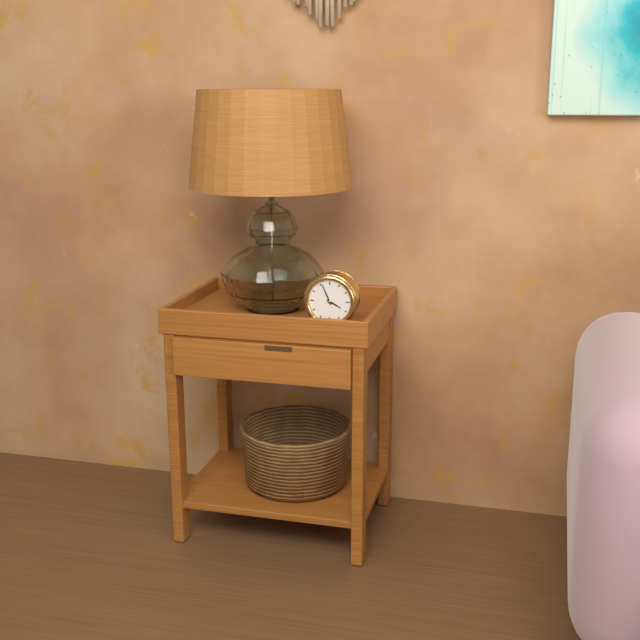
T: 3:56
